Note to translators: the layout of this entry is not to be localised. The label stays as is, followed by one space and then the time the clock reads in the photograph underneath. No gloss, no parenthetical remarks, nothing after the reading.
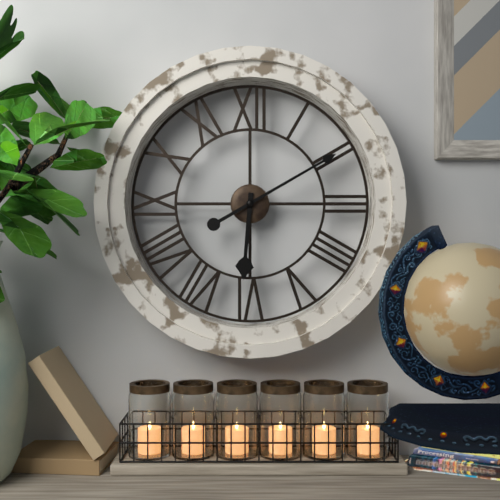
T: 6:10
